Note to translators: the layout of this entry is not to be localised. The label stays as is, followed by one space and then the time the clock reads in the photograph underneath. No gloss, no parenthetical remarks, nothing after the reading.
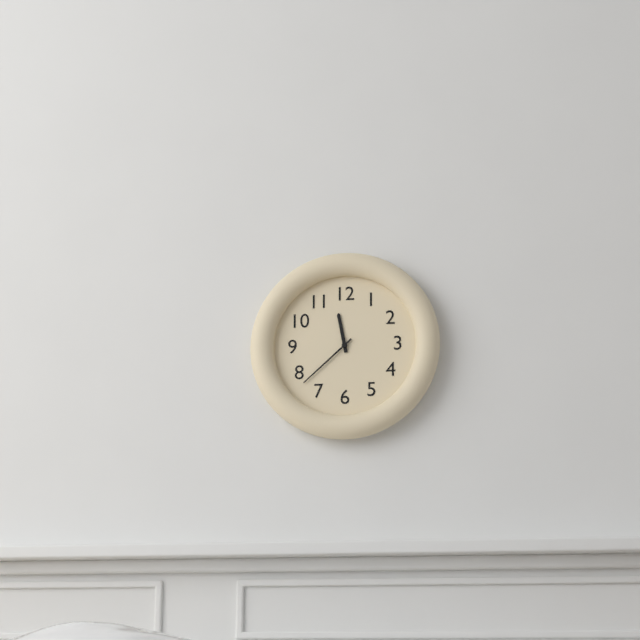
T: 11:38
